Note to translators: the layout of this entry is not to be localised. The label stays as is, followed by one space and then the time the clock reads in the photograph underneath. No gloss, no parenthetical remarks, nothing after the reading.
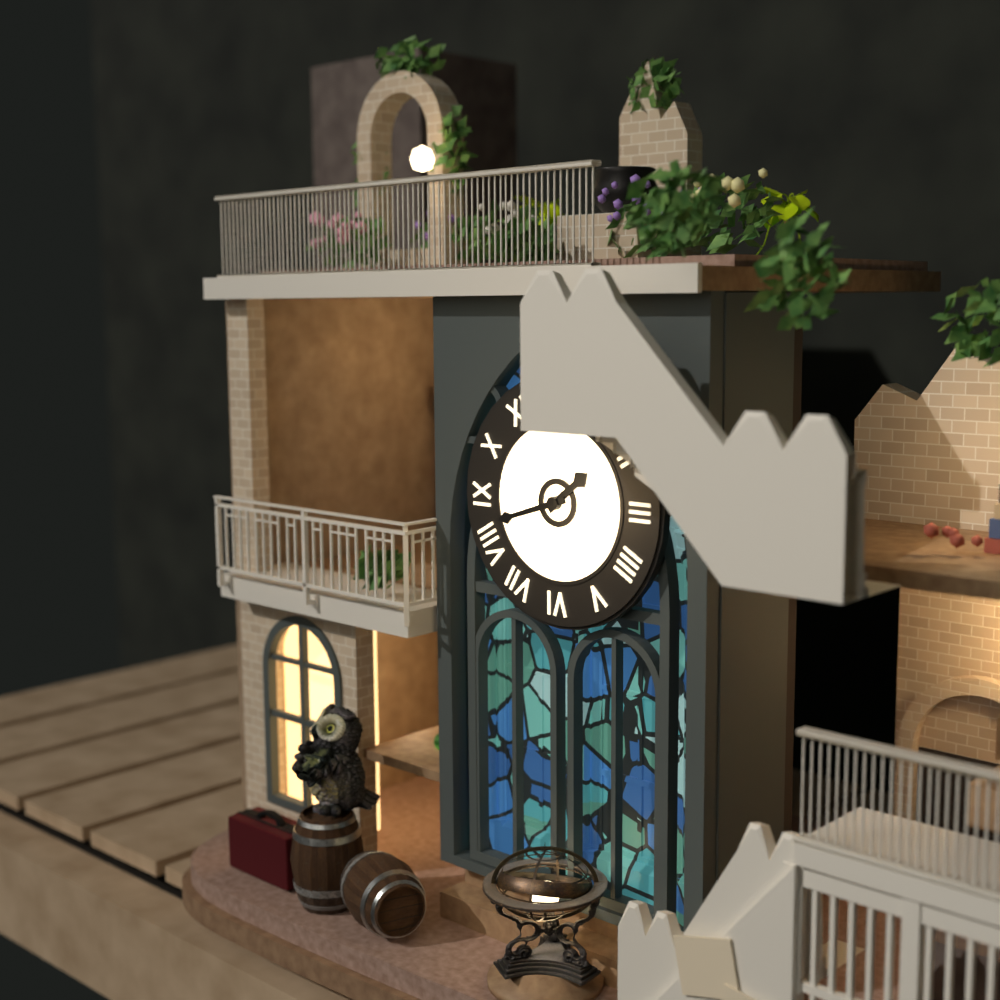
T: 1:42
